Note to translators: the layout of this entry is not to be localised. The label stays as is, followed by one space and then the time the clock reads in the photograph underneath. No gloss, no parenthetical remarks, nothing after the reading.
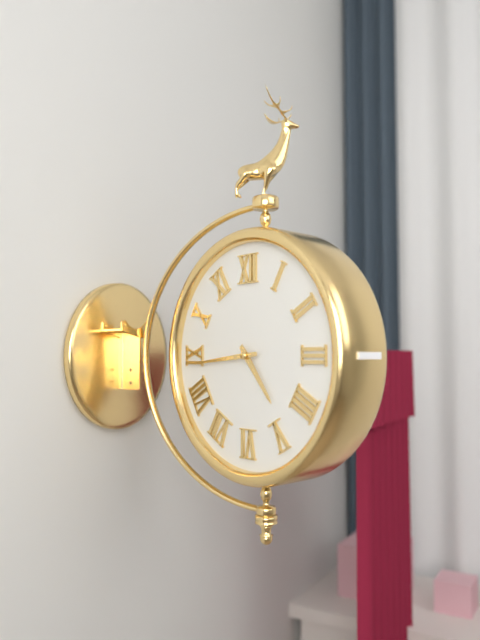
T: 4:44
